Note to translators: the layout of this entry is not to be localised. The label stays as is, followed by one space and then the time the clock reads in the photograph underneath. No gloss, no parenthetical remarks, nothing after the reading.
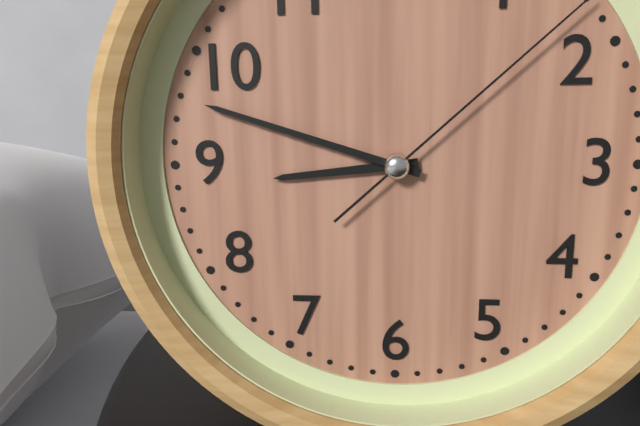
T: 8:48
